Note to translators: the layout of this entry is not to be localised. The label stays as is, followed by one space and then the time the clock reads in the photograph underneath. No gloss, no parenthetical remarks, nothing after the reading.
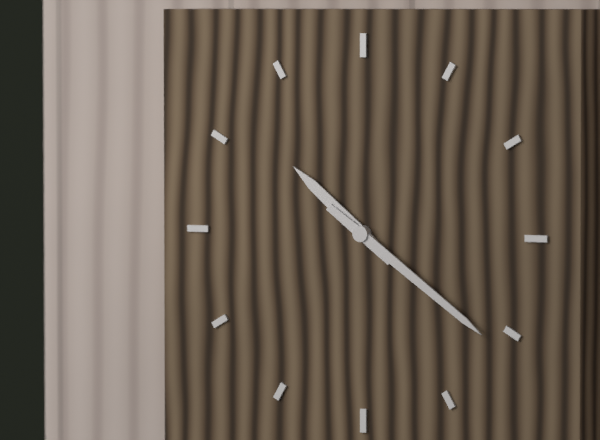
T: 10:21
